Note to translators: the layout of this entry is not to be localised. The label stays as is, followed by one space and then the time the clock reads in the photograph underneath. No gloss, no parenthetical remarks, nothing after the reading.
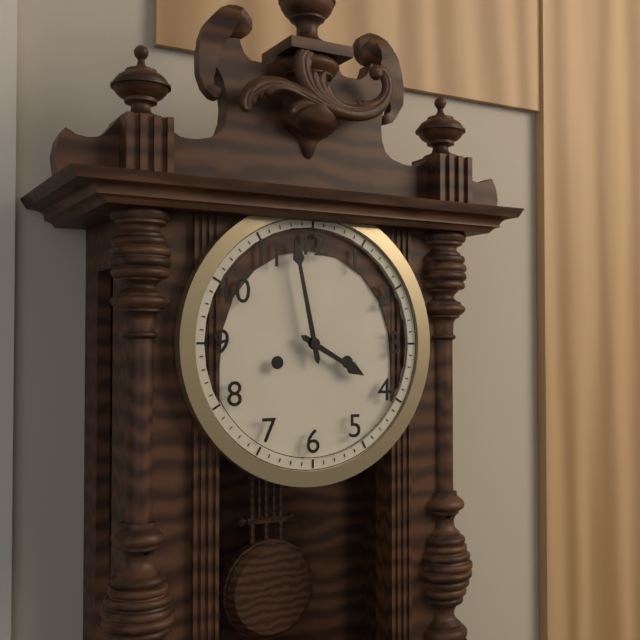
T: 3:58
